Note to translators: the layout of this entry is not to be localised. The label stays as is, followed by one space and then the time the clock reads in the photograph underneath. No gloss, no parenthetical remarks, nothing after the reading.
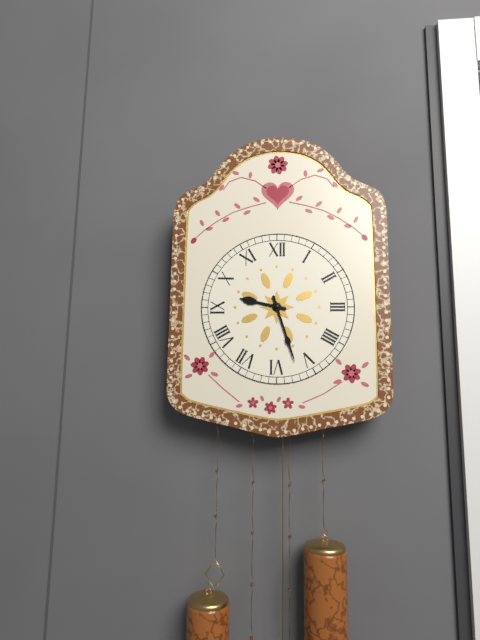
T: 9:27
